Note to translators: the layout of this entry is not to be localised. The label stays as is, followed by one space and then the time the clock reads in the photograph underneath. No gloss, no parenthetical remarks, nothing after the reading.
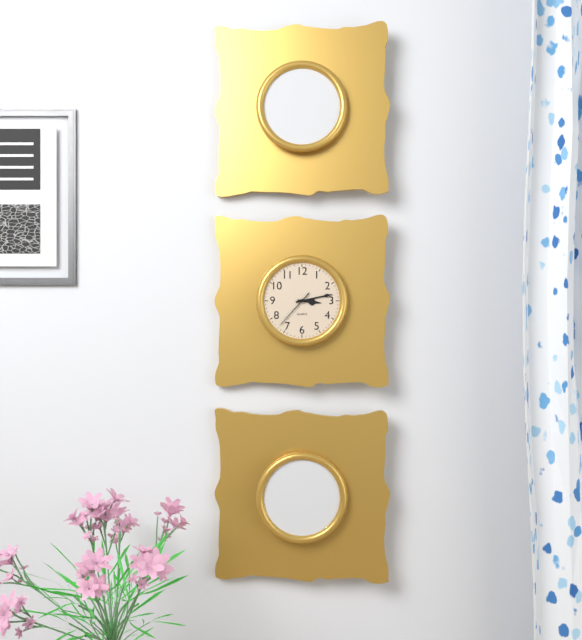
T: 3:13
